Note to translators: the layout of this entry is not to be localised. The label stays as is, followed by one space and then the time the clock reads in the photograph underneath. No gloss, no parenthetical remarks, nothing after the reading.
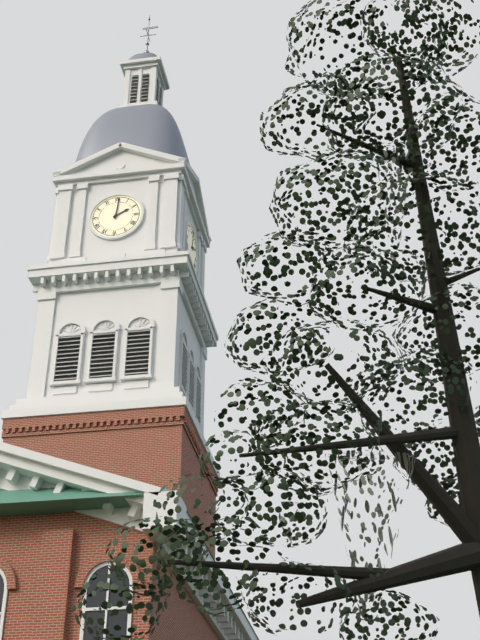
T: 2:01
